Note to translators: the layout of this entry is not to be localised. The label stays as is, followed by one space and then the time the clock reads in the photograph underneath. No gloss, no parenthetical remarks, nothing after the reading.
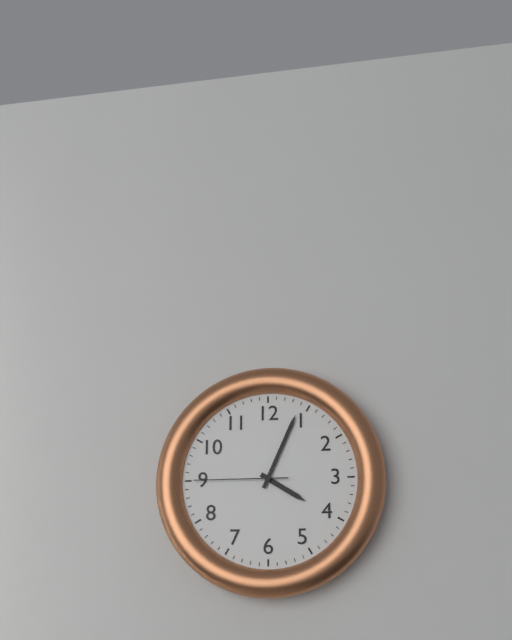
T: 4:04:45
